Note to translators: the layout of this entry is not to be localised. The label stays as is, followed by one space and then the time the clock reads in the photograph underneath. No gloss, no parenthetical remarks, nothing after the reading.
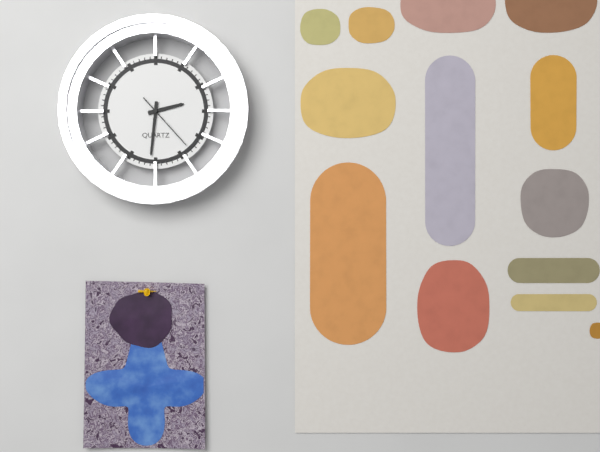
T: 2:31:23
